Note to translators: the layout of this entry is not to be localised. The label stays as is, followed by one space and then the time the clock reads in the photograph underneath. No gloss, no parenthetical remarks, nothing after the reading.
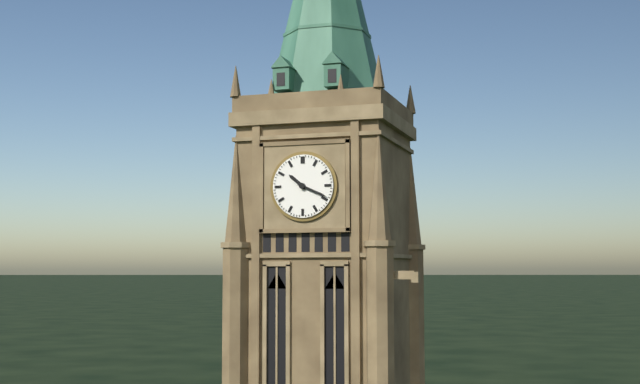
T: 10:19
